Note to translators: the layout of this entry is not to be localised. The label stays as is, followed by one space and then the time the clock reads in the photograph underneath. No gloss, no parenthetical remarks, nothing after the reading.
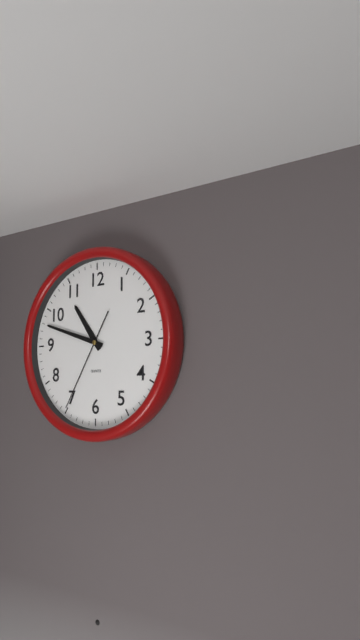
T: 10:48:35
